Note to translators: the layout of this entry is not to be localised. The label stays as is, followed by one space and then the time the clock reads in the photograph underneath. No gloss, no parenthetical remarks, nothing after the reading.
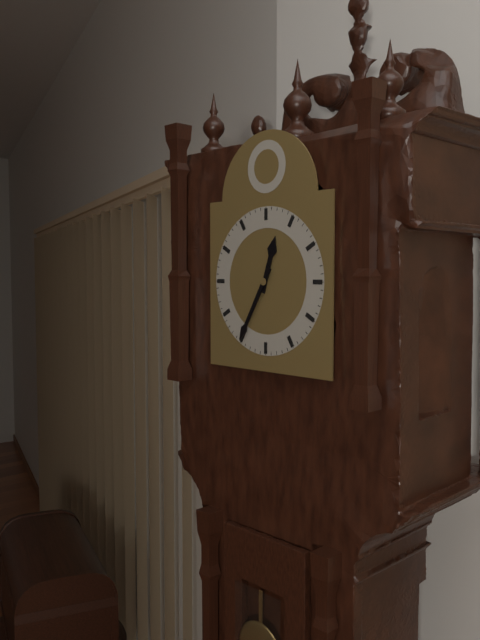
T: 12:35
